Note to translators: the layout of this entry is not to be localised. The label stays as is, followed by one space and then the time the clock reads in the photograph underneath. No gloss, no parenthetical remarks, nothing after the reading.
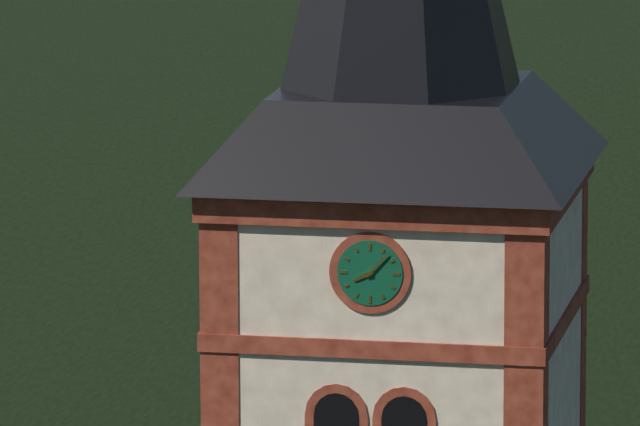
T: 8:07
